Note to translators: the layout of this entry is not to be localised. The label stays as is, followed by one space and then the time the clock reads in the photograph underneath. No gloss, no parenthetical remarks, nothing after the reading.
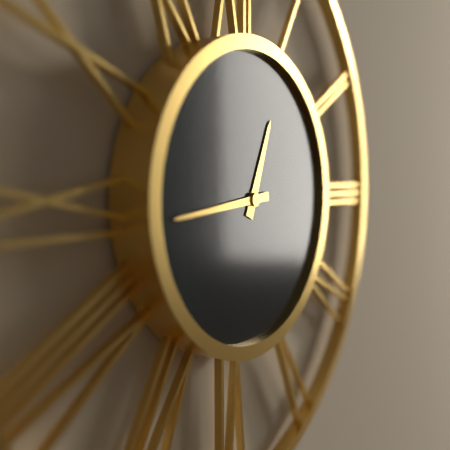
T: 12:44
